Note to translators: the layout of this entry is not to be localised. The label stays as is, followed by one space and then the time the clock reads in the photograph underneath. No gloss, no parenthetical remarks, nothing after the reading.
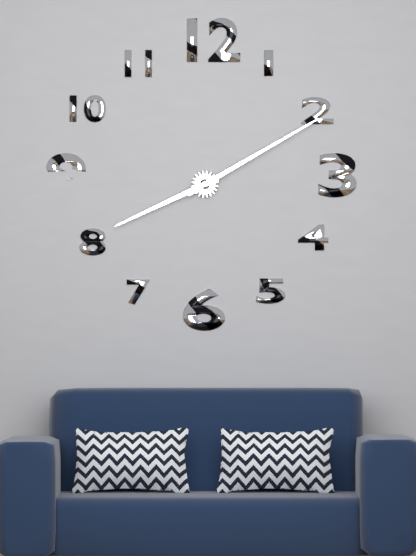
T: 8:10
